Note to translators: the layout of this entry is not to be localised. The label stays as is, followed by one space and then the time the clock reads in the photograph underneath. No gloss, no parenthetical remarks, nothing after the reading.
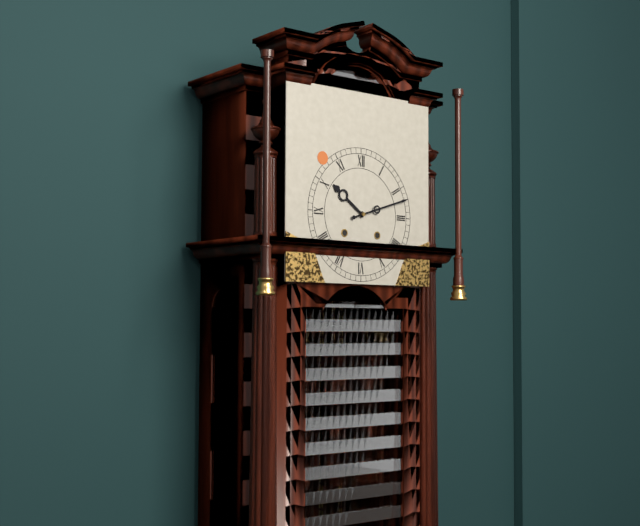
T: 10:12
